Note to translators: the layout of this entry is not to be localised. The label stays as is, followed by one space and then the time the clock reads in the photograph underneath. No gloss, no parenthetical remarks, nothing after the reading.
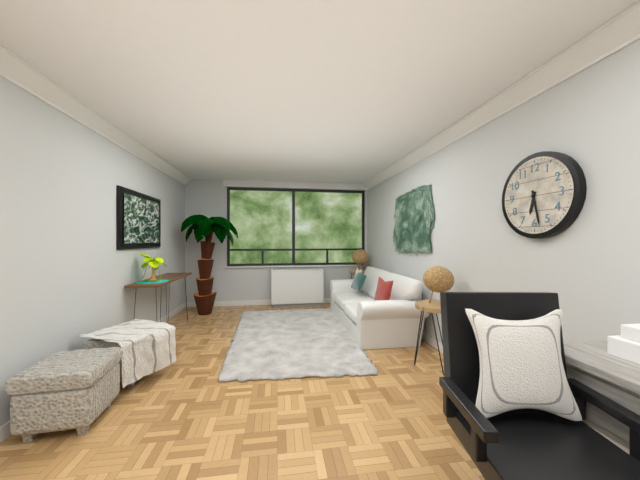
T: 6:28
